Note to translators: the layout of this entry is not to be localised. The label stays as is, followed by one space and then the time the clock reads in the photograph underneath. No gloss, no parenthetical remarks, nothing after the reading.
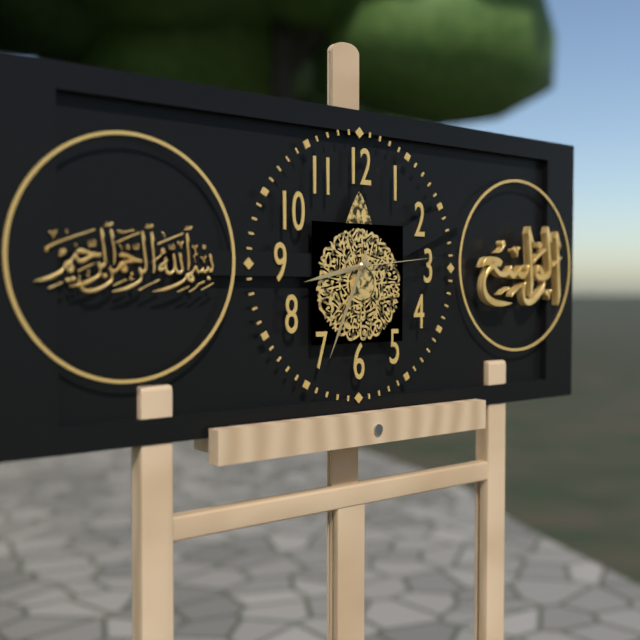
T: 8:34:14
